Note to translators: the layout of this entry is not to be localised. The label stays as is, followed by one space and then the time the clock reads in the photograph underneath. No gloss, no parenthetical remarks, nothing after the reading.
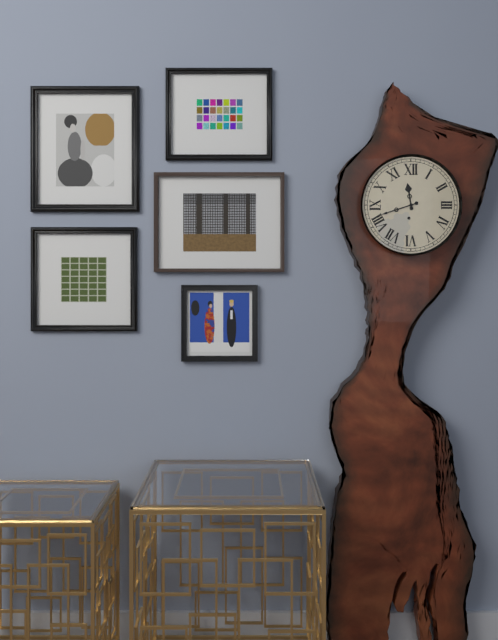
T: 11:42
